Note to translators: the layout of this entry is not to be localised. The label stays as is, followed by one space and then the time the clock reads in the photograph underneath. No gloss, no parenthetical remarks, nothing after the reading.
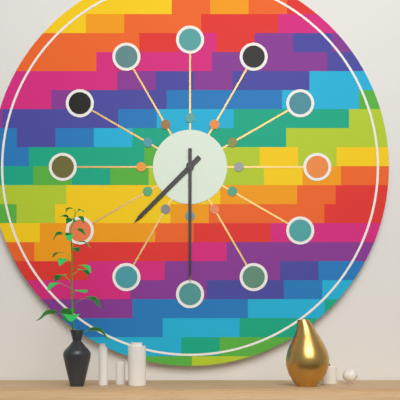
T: 7:30
